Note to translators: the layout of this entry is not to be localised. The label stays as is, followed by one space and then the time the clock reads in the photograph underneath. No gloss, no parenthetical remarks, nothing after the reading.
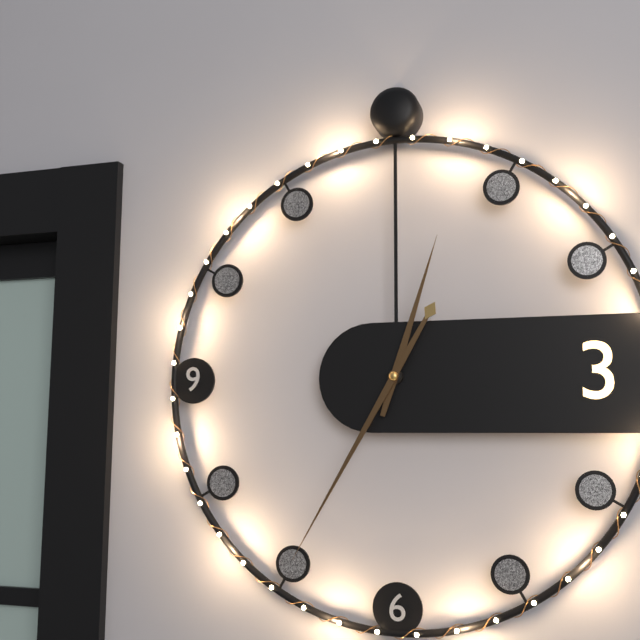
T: 12:35
